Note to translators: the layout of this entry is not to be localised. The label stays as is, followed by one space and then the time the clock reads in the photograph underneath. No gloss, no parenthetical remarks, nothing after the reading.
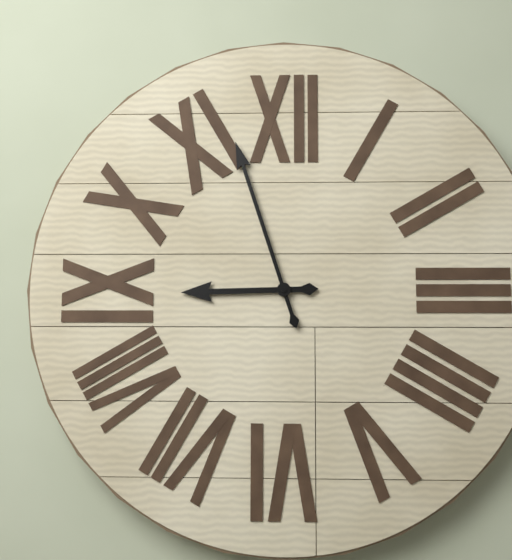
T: 8:57
